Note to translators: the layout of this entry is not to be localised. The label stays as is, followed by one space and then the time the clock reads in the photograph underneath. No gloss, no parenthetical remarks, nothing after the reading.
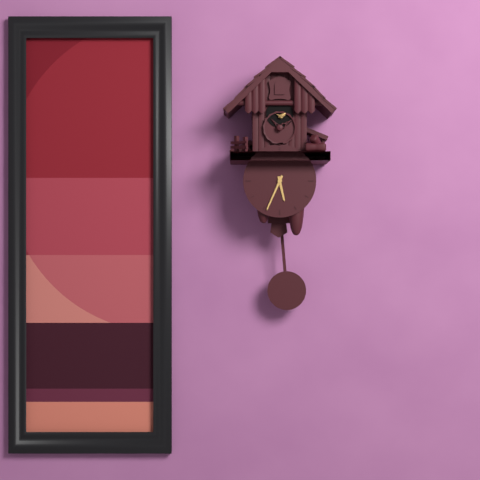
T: 5:34
